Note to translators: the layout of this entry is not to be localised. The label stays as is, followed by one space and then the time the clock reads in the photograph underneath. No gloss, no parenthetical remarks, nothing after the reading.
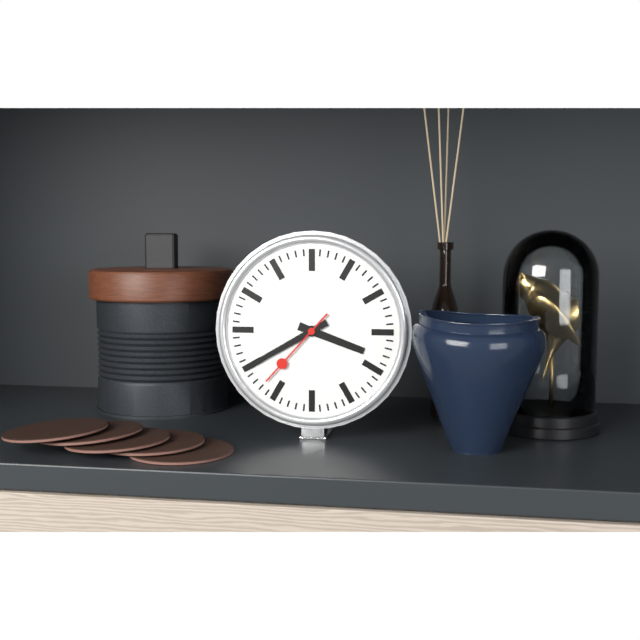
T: 3:40:37
